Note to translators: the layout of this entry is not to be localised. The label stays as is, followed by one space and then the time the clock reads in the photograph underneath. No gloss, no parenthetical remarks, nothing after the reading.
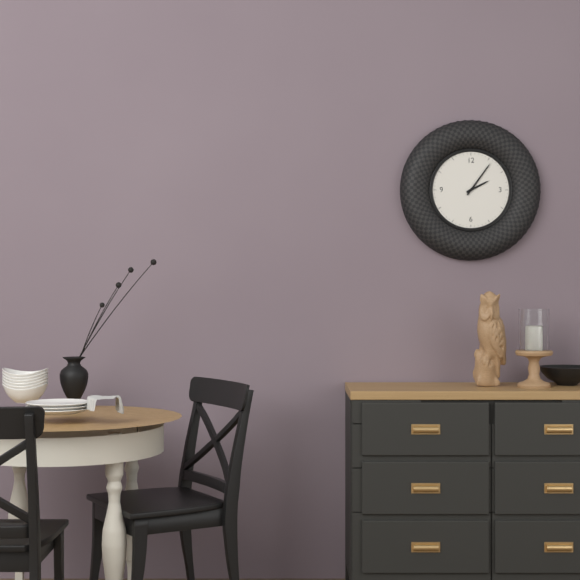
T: 2:06
